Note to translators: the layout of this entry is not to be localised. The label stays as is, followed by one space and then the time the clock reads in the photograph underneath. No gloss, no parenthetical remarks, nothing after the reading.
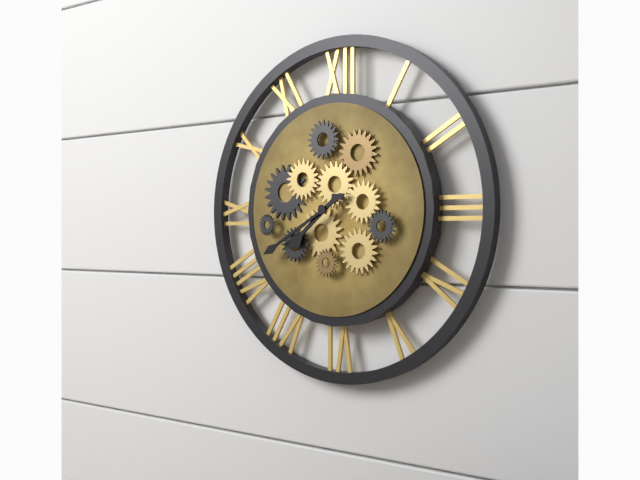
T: 7:40
